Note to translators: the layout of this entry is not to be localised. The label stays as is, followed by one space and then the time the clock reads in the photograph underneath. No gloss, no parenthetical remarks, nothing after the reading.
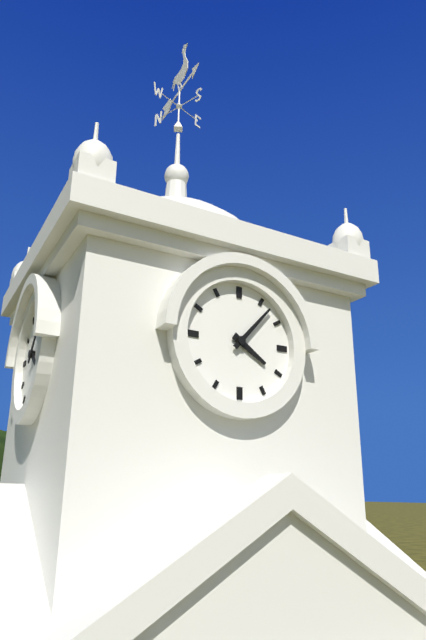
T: 4:07
